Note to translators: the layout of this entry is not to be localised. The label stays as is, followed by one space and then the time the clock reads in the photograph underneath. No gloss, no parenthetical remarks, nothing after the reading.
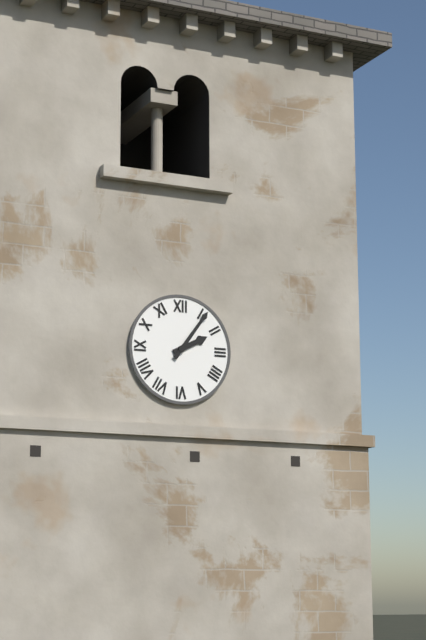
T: 2:06
